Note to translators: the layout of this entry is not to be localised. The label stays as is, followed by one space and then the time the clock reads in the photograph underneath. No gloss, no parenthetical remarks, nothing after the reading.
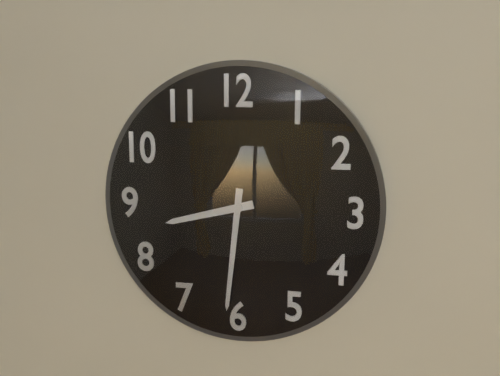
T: 8:31
